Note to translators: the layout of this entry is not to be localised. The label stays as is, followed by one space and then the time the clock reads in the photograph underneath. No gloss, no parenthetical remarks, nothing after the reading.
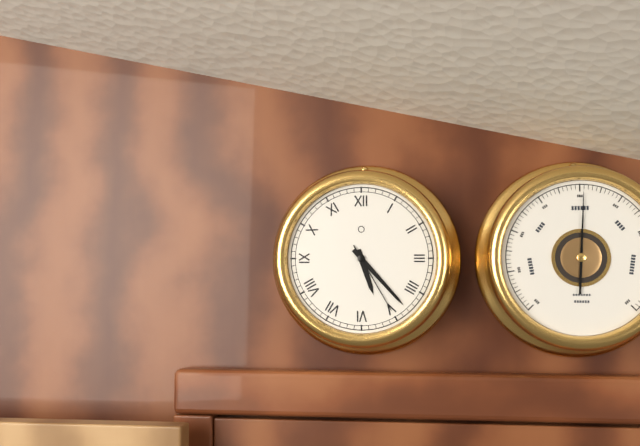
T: 5:23:25
